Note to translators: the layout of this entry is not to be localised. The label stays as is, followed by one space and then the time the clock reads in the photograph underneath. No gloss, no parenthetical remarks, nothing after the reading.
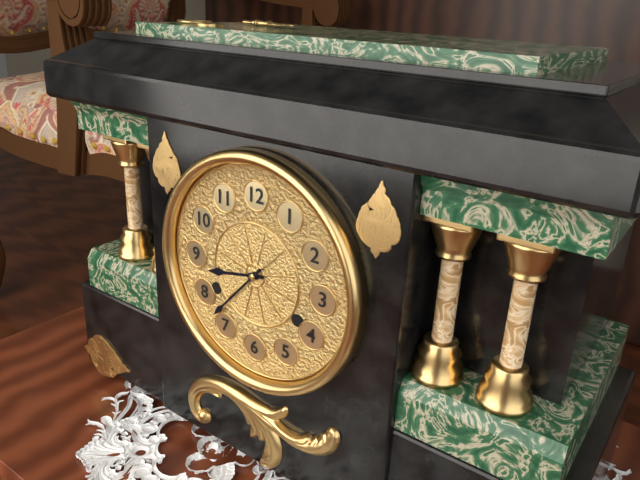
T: 8:37
